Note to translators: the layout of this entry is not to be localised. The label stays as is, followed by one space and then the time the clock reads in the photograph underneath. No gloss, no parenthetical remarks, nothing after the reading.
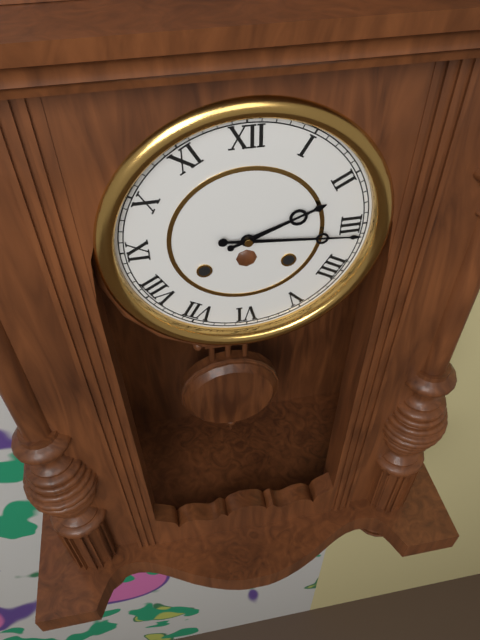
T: 2:16
